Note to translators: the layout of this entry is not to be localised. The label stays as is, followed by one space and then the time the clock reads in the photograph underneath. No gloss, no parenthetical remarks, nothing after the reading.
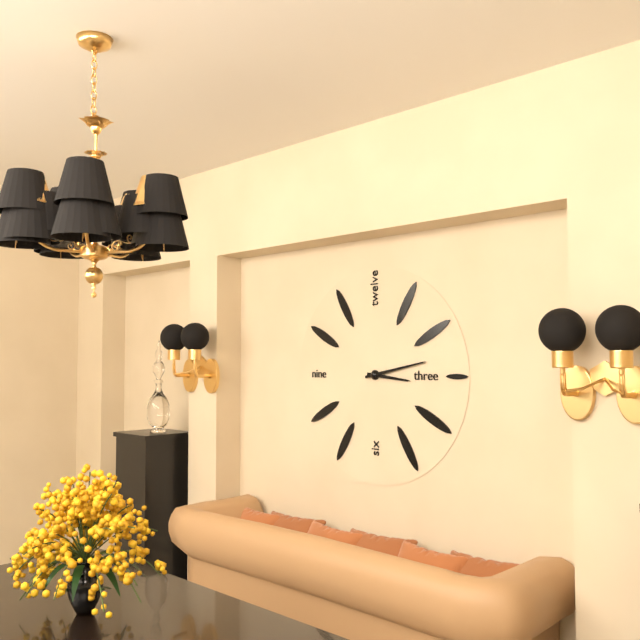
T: 3:13
